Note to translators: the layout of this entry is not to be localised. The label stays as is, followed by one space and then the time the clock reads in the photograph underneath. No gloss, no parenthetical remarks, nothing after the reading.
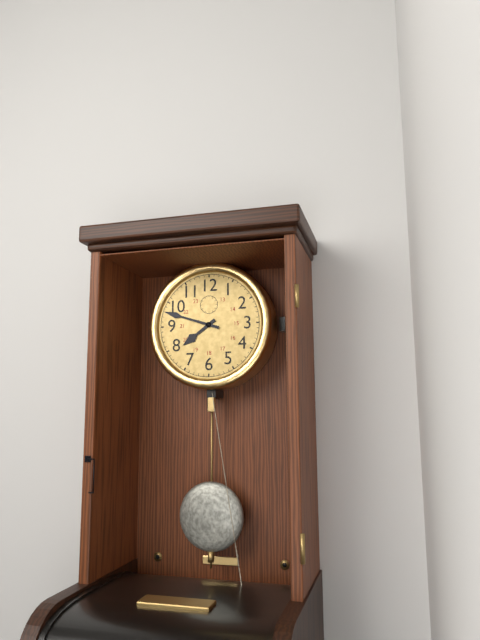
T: 7:48
